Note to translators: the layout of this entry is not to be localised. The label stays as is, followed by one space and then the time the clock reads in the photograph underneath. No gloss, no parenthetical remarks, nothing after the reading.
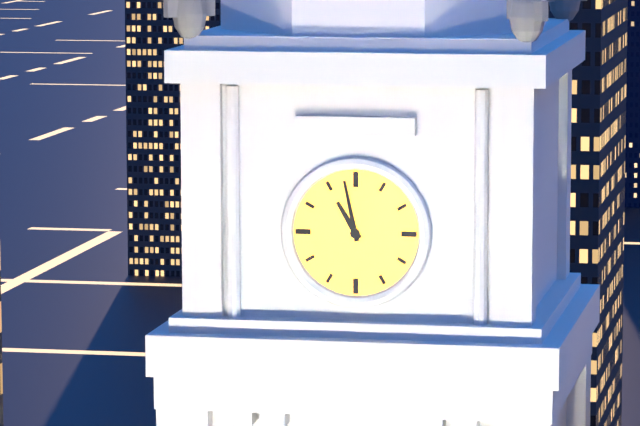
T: 10:58
